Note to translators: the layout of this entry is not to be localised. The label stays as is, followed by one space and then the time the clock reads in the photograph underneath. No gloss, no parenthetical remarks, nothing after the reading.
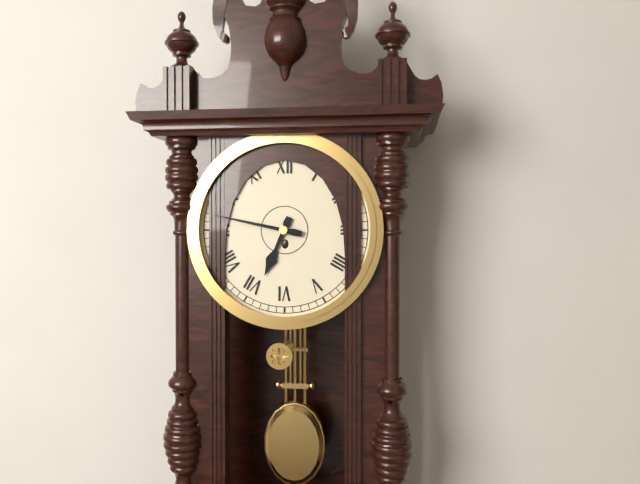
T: 6:47
